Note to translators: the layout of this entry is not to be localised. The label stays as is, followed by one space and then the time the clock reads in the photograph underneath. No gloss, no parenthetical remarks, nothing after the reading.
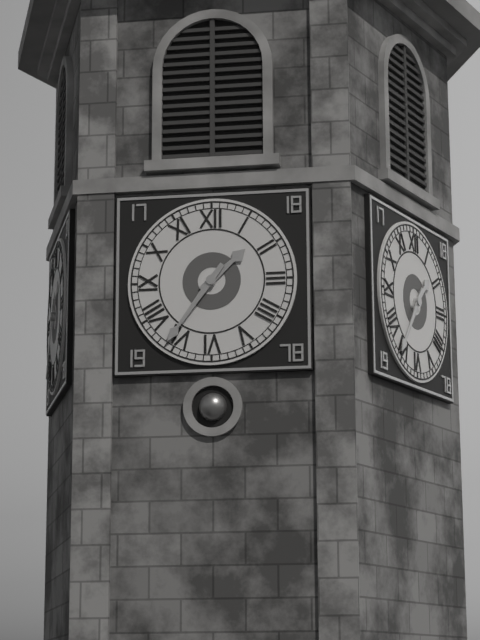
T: 1:36
